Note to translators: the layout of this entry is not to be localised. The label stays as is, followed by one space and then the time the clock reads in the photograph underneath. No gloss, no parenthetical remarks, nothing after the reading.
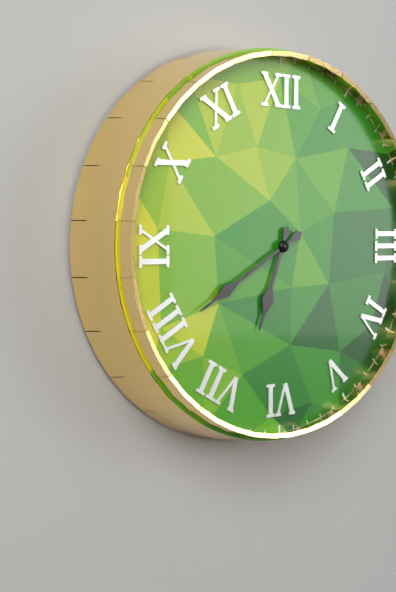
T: 6:40
